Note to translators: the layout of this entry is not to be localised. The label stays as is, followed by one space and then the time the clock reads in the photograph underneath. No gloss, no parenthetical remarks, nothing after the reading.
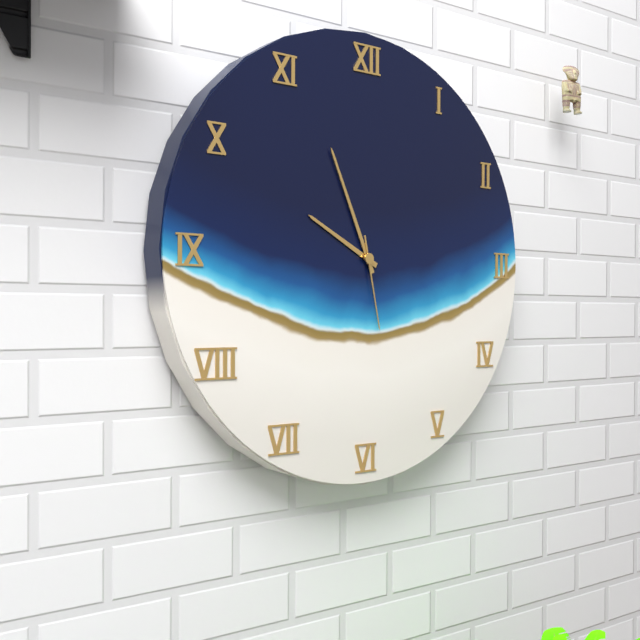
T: 9:56:28
